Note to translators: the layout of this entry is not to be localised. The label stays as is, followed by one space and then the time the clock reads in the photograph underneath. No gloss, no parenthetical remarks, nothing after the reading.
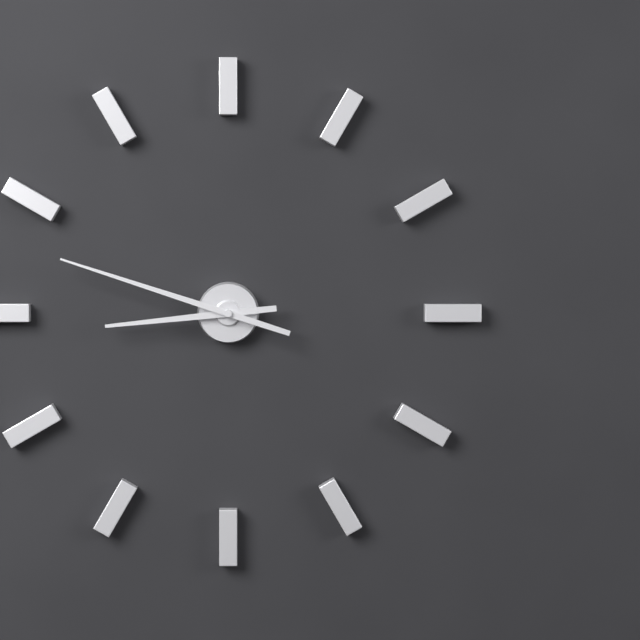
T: 8:48
